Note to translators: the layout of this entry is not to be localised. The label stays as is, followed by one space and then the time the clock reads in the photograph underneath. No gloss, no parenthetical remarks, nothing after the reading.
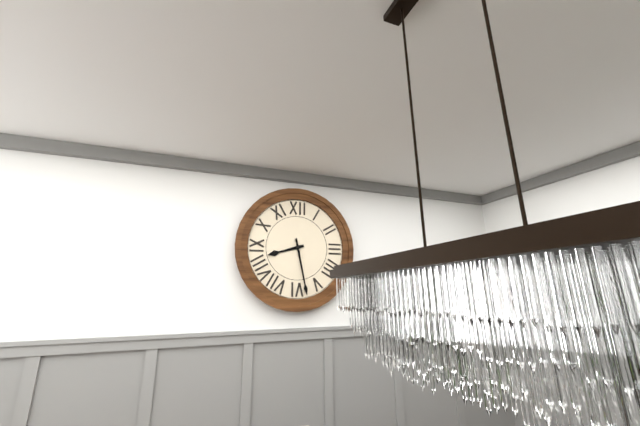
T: 8:28
